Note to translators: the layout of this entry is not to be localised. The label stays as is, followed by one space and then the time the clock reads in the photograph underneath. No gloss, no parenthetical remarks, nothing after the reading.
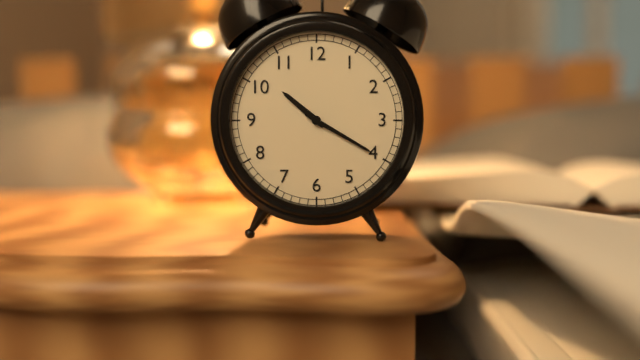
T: 10:20
